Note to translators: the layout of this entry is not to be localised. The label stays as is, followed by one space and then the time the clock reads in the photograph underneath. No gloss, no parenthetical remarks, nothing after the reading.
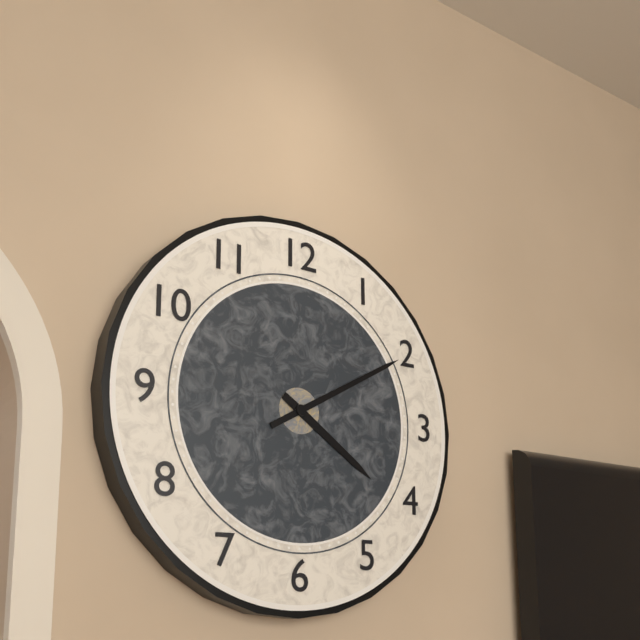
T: 4:10
